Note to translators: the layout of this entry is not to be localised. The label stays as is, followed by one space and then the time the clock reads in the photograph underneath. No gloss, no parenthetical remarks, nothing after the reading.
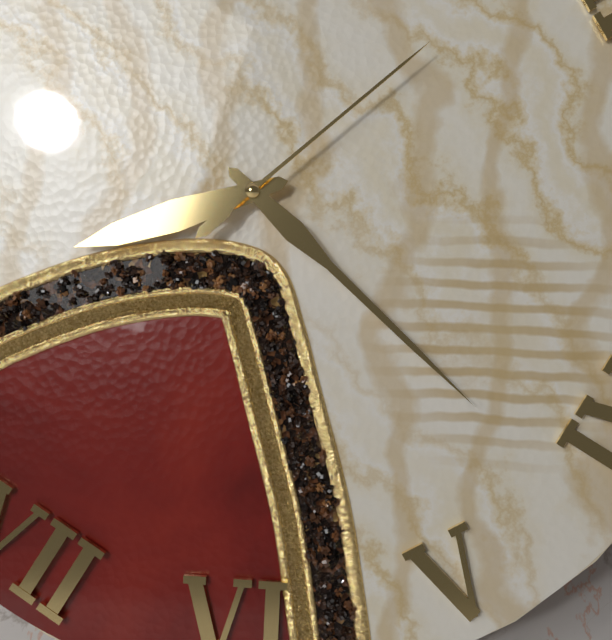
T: 8:22:08
